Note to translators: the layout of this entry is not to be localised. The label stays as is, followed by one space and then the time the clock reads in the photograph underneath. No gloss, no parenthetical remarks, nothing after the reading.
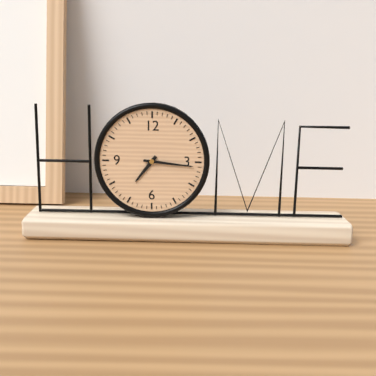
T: 7:16
